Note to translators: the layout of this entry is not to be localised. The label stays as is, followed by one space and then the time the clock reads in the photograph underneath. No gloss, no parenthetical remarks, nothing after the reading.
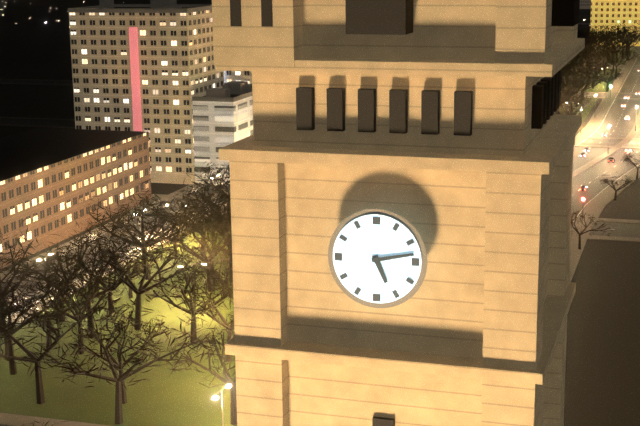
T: 5:13
